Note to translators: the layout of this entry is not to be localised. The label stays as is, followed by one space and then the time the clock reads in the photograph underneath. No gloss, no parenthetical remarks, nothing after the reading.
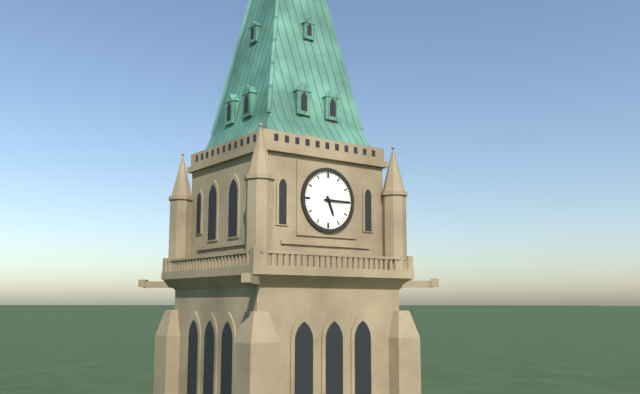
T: 5:15
